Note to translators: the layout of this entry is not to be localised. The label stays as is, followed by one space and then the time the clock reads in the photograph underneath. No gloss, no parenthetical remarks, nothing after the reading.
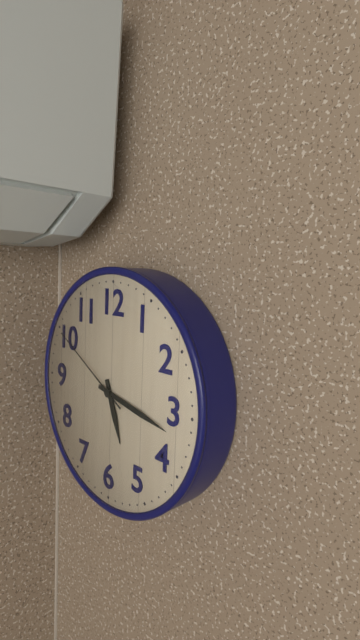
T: 5:17:50
